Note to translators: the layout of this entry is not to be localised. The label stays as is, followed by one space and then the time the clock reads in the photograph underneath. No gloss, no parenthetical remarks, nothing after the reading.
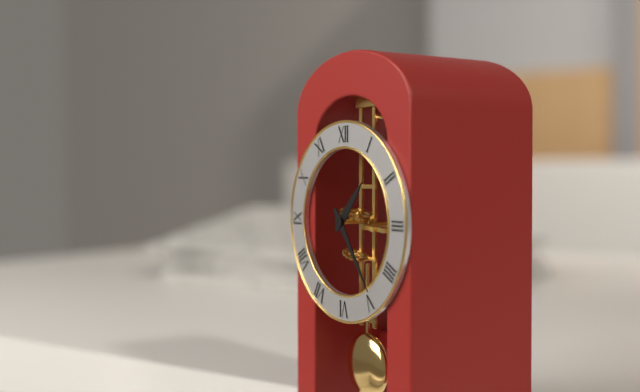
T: 1:24
